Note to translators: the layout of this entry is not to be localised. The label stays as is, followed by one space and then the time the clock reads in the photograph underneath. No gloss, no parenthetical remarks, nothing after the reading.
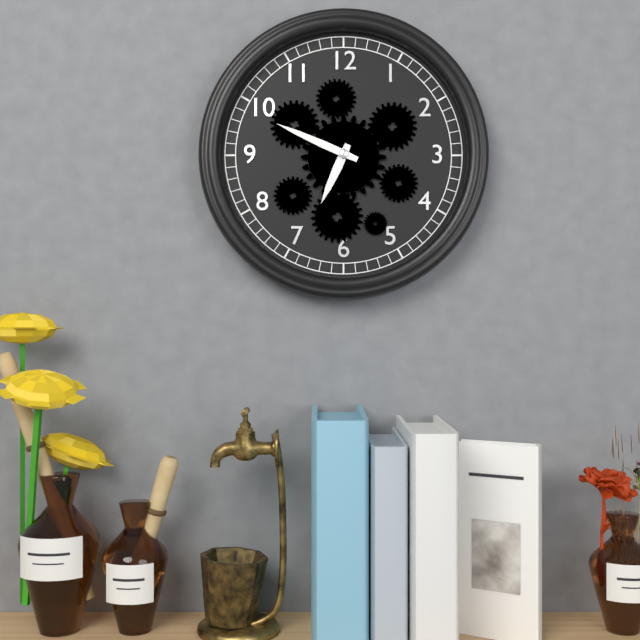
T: 6:49
